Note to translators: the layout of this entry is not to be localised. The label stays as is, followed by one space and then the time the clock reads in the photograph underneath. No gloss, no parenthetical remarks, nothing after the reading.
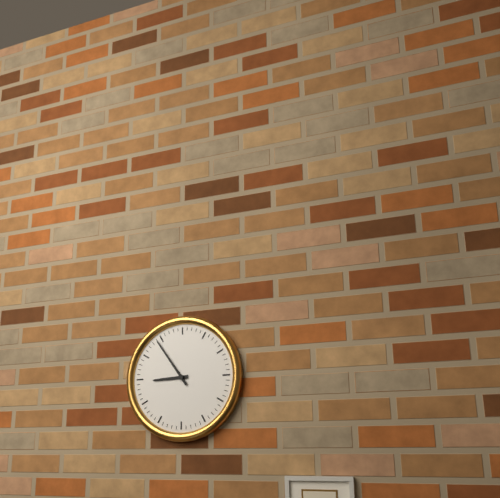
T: 8:54
